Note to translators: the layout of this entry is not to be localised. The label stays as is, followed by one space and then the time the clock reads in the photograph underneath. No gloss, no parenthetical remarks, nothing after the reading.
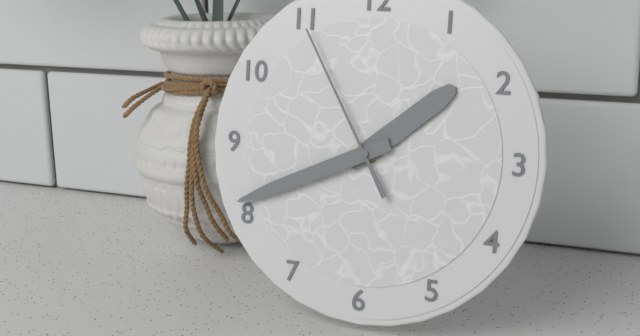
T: 1:41:55
